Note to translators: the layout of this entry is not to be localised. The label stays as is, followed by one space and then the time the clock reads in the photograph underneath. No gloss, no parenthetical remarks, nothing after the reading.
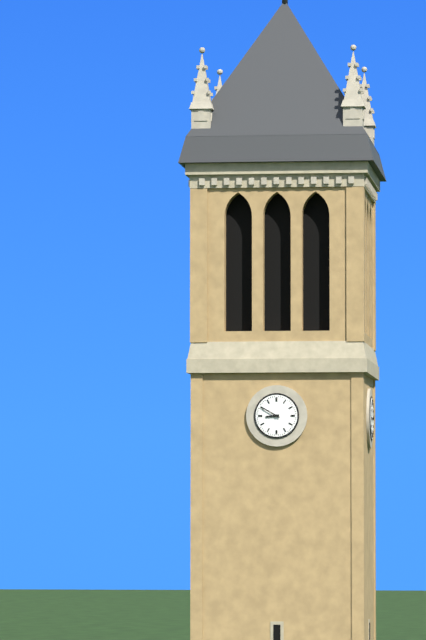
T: 8:50
